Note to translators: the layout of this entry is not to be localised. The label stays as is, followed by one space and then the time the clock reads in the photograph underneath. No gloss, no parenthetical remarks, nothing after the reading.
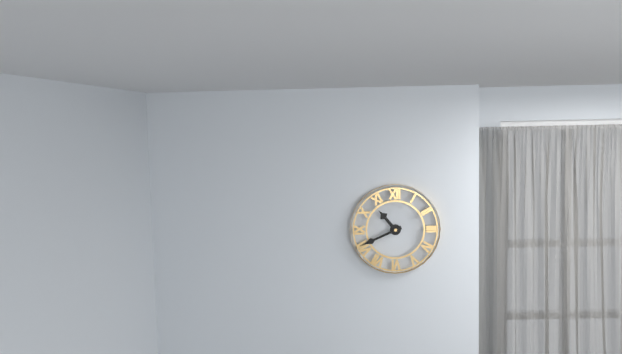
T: 10:41
